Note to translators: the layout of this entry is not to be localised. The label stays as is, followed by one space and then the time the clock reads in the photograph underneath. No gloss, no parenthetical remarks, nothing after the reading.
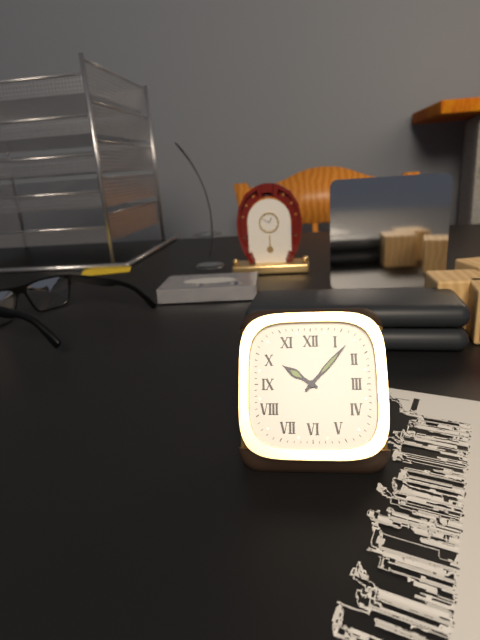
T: 10:07
